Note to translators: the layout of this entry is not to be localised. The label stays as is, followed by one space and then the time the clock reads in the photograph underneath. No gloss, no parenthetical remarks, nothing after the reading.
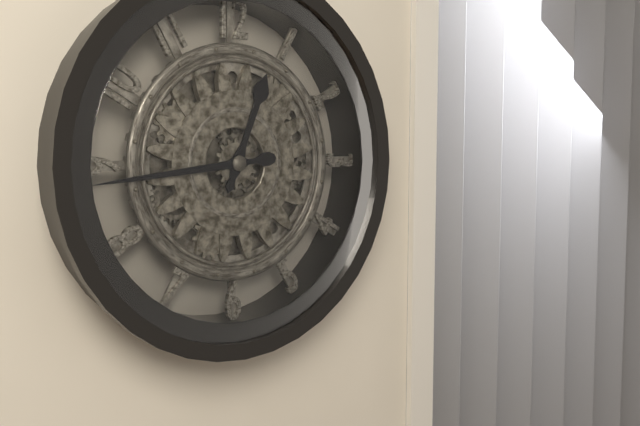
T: 12:44
